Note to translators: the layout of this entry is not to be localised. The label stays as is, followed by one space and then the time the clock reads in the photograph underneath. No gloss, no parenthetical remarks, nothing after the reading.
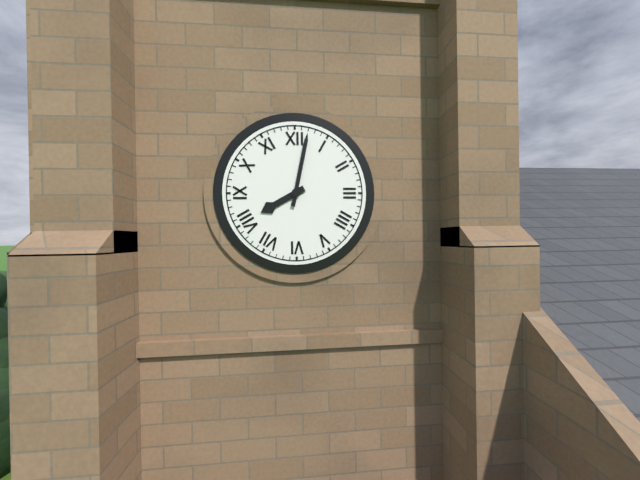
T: 8:02
